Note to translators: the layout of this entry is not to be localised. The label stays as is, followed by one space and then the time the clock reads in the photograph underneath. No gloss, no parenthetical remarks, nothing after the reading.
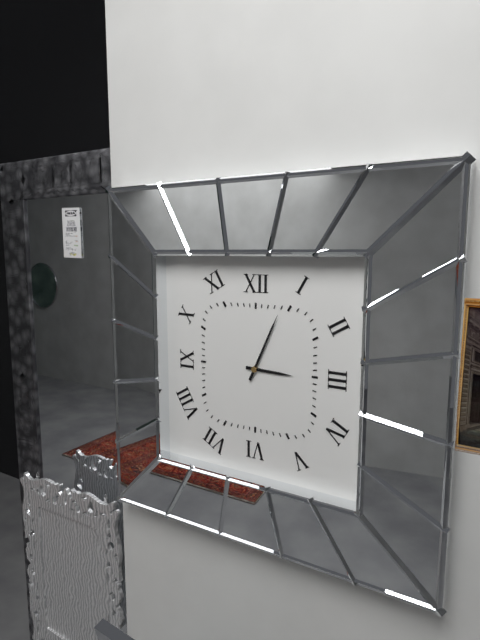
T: 3:04
